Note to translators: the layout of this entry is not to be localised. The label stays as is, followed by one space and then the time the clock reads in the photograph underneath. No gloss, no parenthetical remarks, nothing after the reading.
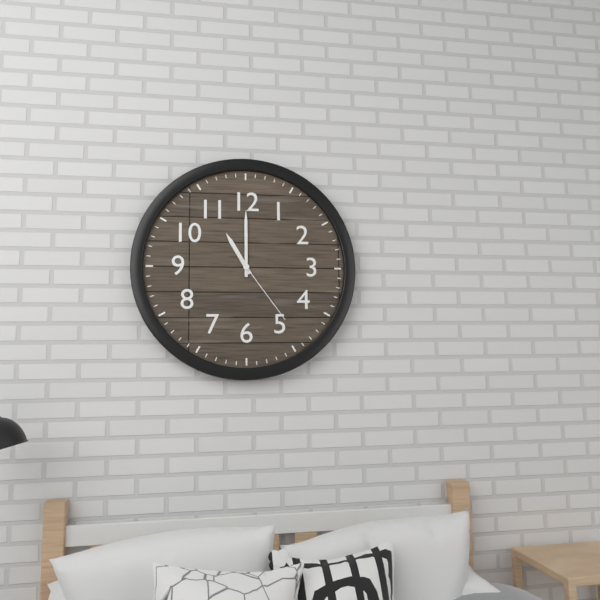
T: 11:00:24
